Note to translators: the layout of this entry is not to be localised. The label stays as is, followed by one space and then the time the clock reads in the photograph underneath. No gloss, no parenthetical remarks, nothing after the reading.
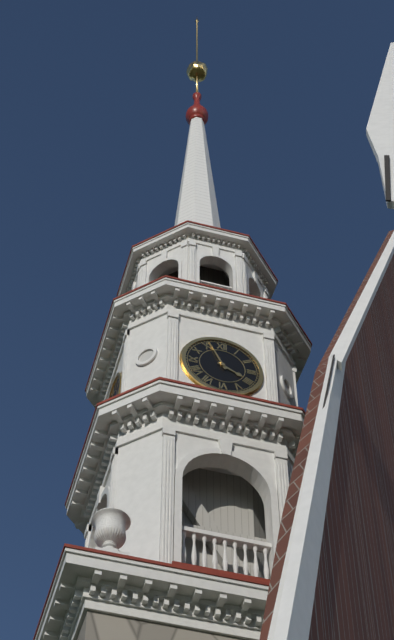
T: 3:56
